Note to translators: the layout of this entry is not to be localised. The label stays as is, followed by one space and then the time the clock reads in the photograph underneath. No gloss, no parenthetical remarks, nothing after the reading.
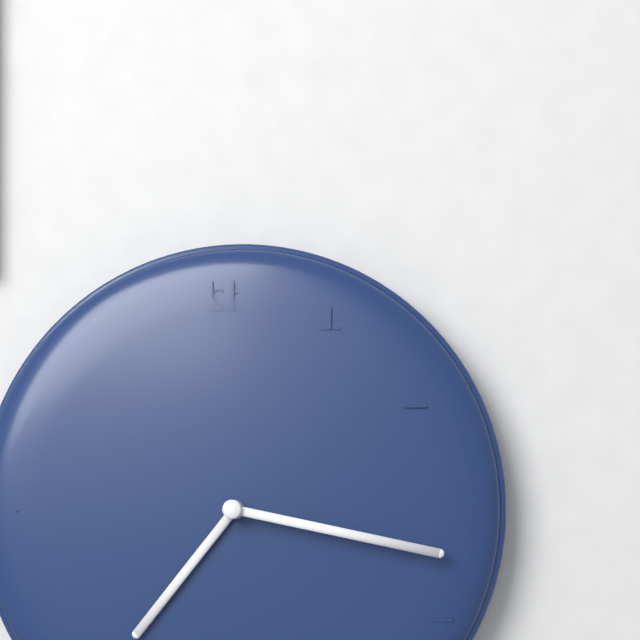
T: 7:17
